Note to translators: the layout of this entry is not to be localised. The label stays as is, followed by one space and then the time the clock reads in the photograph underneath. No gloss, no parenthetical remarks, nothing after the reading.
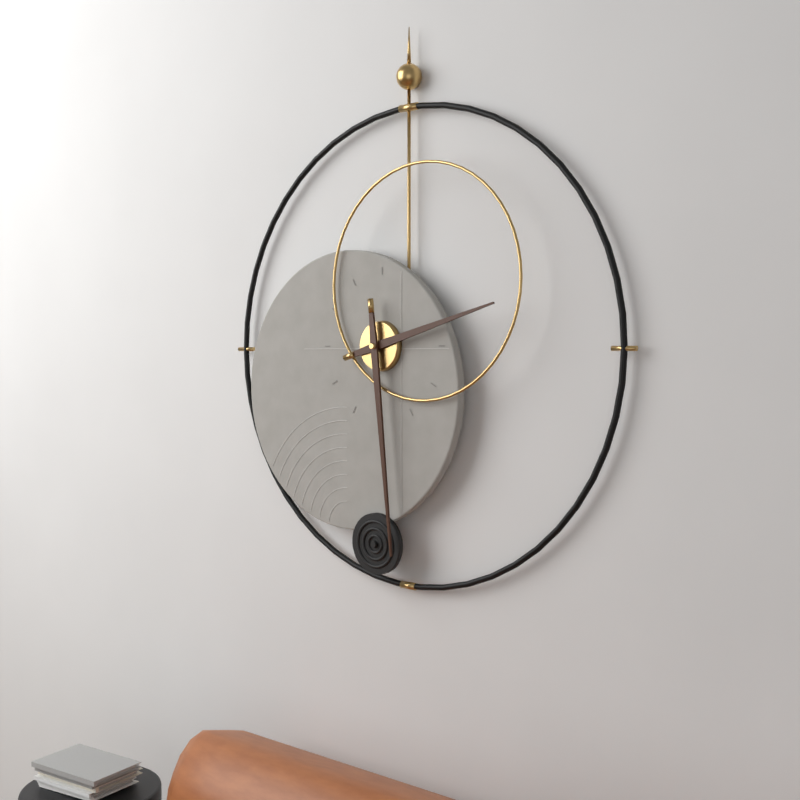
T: 2:29
